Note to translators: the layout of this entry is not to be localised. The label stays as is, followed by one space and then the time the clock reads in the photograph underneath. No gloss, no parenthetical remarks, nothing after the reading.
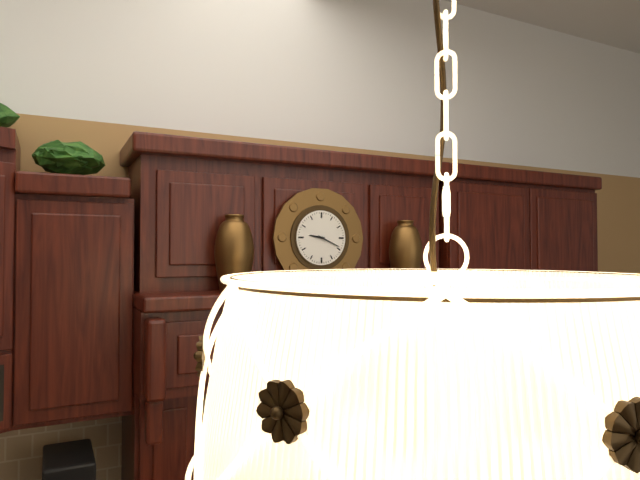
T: 9:19
